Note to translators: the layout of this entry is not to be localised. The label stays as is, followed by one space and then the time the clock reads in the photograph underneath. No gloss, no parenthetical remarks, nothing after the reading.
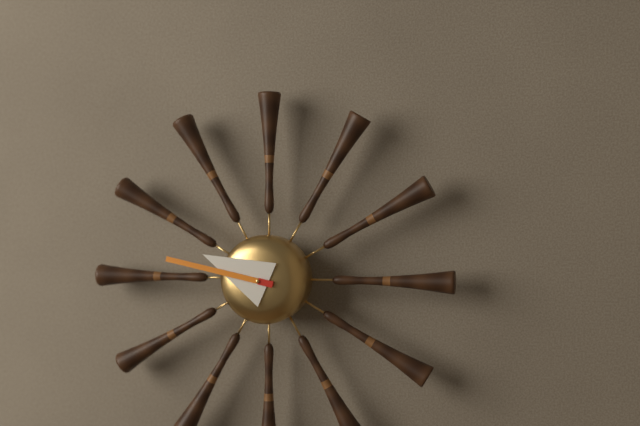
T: 9:47
